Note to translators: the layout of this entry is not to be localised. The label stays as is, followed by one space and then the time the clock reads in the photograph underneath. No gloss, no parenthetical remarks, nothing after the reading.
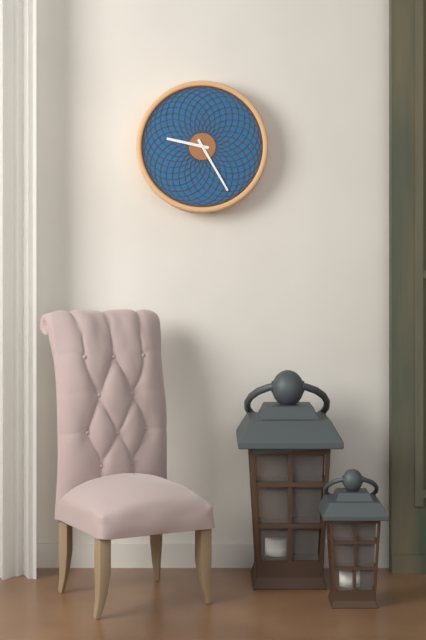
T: 9:25
